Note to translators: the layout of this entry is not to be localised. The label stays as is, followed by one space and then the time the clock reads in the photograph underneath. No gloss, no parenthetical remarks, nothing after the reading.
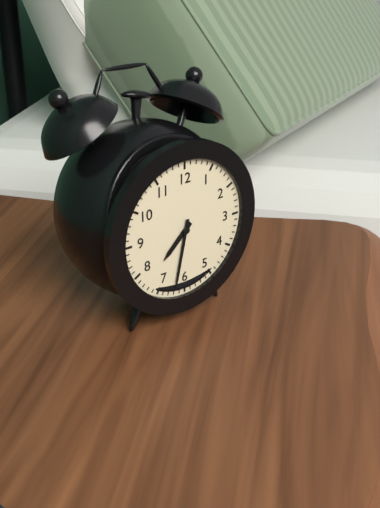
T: 7:32
